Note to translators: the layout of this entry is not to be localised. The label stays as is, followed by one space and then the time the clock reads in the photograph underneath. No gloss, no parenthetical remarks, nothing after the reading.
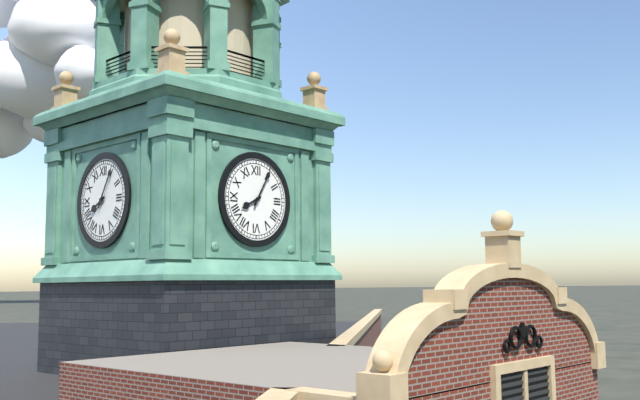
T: 8:05
